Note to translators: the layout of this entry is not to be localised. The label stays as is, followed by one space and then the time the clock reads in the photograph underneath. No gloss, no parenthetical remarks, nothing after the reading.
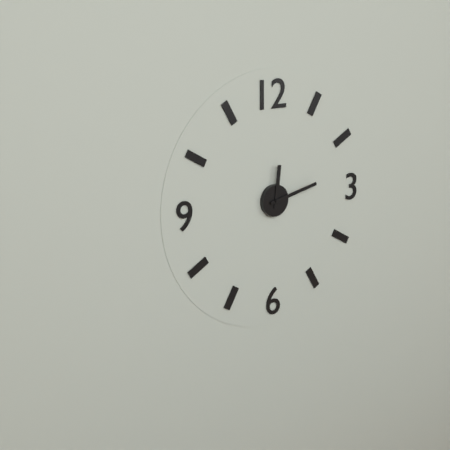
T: 12:13
